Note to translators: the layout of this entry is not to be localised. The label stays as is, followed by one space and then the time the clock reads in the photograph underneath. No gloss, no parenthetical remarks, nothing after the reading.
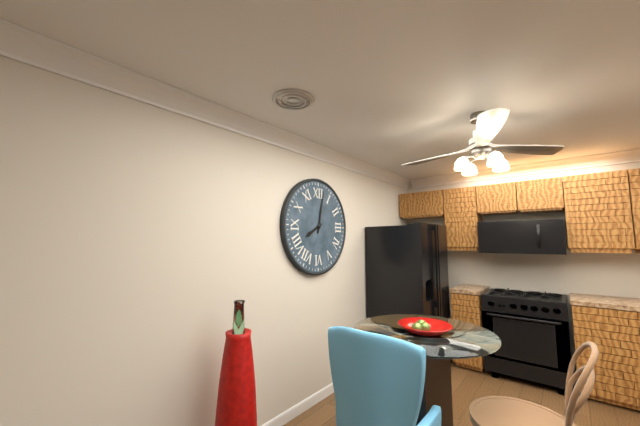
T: 8:02
